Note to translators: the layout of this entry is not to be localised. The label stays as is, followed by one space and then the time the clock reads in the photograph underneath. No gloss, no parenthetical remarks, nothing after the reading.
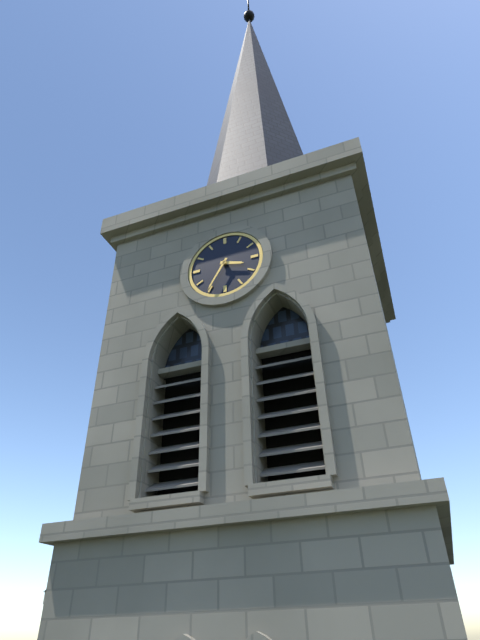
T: 3:35
